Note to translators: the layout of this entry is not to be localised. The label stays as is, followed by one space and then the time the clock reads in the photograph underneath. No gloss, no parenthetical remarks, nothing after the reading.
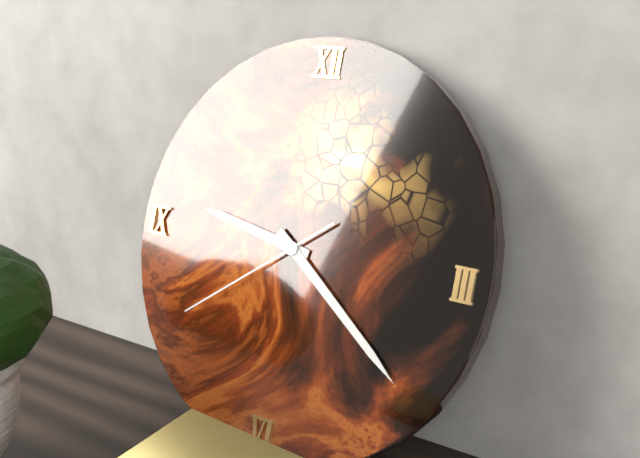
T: 9:21:39
